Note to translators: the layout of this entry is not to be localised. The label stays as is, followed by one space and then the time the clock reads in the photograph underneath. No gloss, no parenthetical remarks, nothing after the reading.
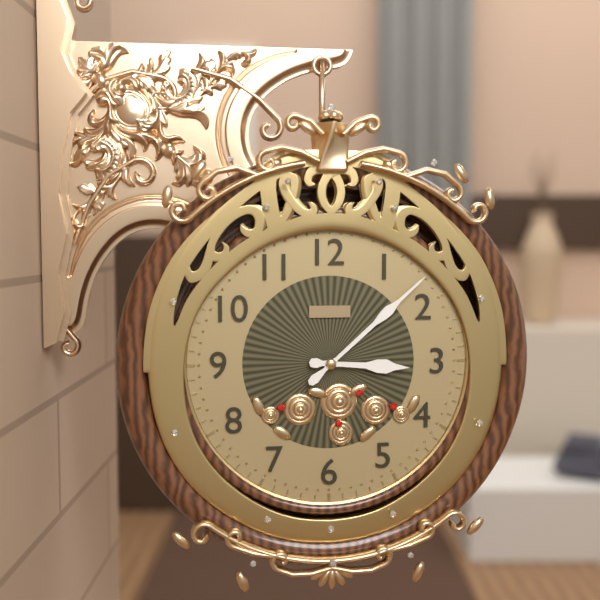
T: 3:08
